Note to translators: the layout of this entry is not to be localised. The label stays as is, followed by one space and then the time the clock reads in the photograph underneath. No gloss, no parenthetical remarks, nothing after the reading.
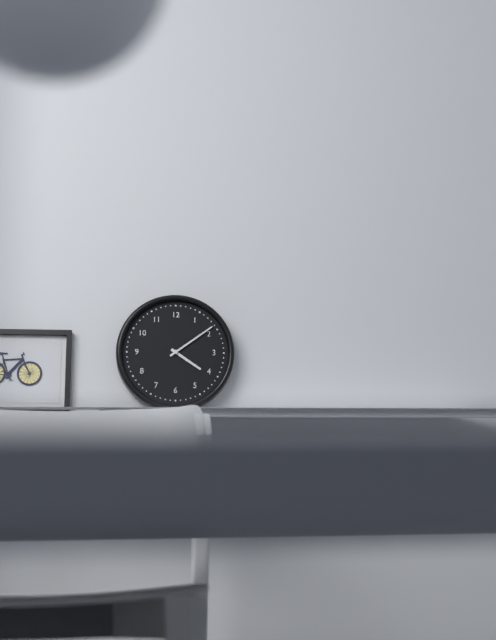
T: 4:09
